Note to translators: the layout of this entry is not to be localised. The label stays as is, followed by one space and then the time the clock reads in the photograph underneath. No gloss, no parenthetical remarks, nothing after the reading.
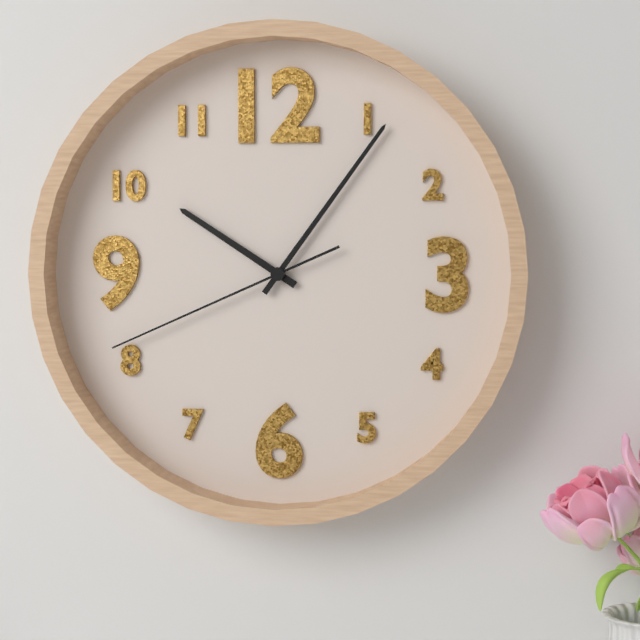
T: 10:06:41
